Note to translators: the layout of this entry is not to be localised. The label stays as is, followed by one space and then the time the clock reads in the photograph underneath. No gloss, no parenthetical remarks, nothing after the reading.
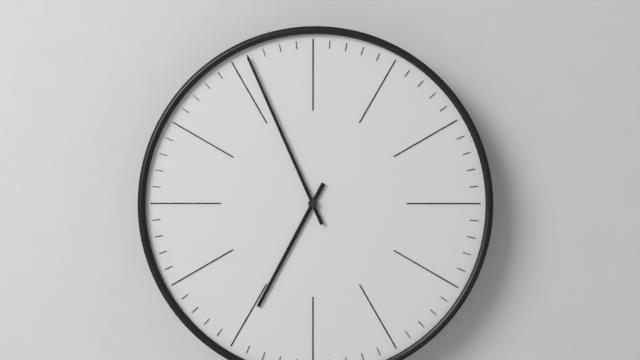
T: 6:56
